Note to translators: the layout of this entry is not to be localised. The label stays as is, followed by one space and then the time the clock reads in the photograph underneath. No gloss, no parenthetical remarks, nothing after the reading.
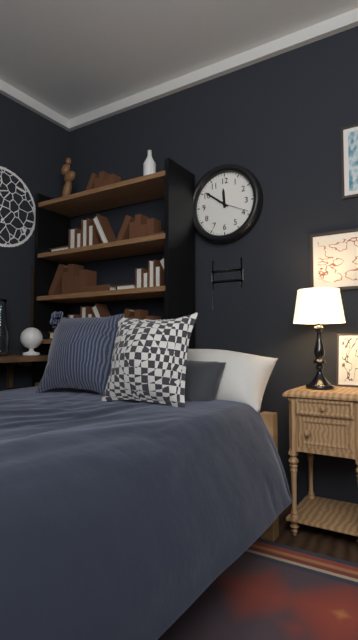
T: 11:51
